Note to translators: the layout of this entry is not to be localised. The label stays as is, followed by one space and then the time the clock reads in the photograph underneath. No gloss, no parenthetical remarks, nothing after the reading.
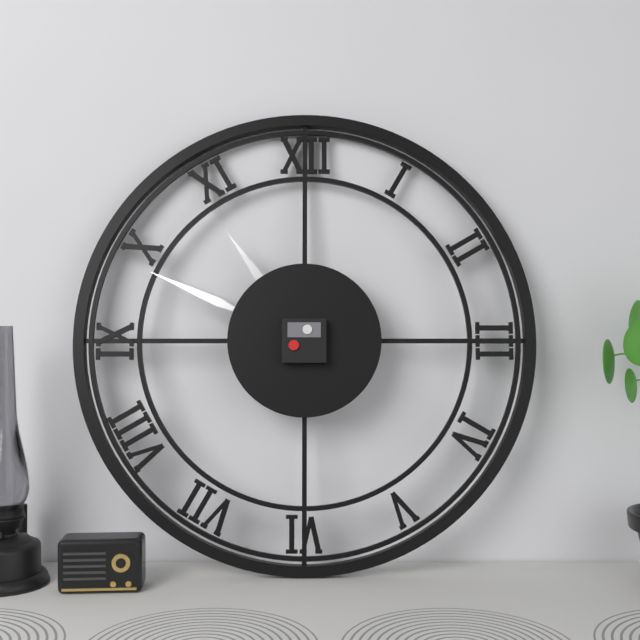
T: 10:49
